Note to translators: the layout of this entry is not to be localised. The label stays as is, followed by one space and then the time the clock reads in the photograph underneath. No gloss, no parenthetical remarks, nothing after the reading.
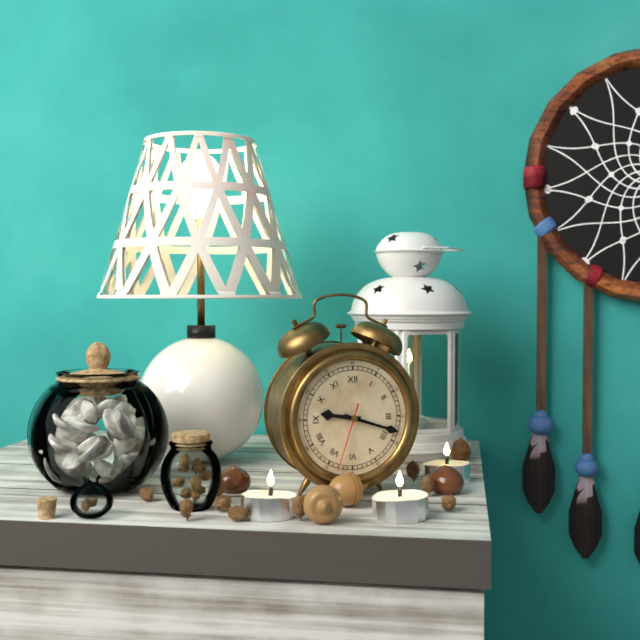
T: 9:18:33
